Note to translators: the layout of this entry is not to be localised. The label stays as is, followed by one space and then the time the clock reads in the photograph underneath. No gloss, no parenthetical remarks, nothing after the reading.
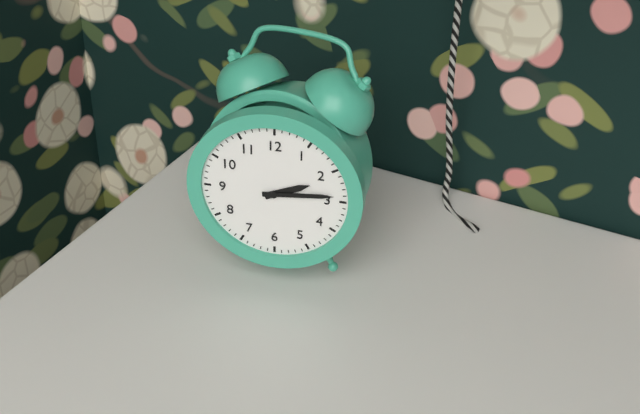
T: 2:14
